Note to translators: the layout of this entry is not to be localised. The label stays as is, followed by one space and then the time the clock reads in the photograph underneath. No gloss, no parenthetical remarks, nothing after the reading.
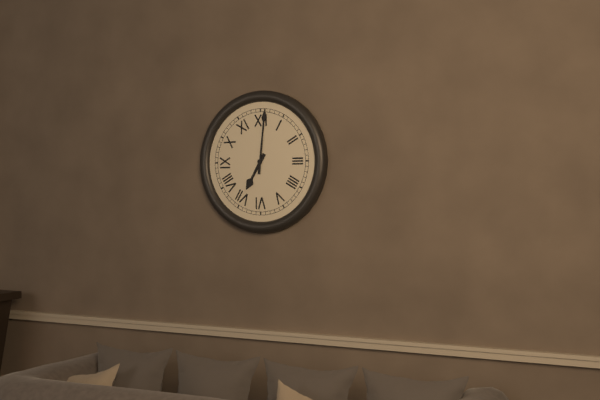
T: 7:01
